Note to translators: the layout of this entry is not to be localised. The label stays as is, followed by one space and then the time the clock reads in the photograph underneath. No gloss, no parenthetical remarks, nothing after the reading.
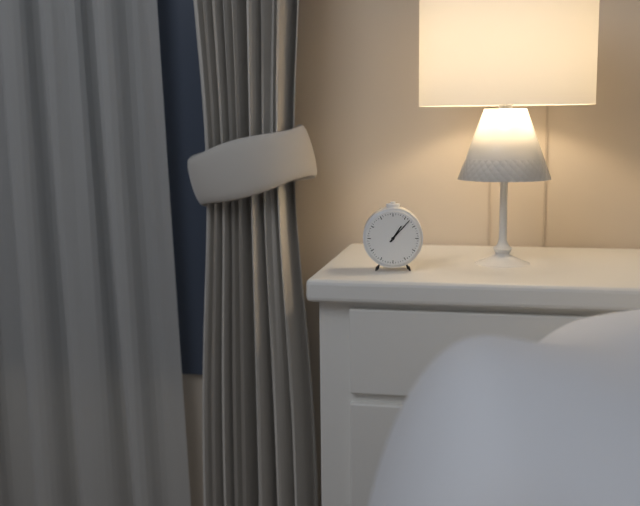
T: 1:07
